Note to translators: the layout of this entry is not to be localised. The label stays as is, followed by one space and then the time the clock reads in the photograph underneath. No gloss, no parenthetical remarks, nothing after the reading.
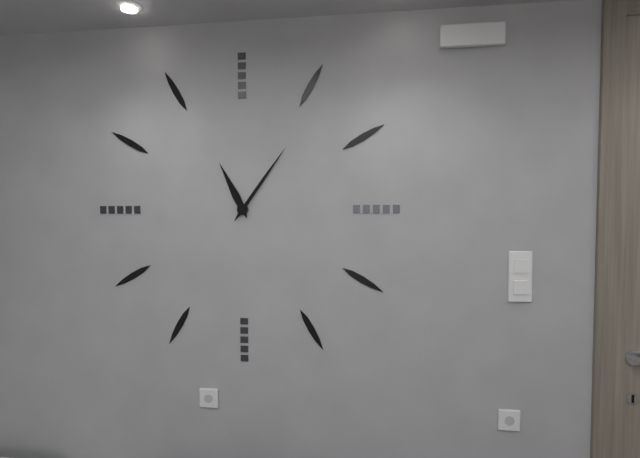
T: 11:06
